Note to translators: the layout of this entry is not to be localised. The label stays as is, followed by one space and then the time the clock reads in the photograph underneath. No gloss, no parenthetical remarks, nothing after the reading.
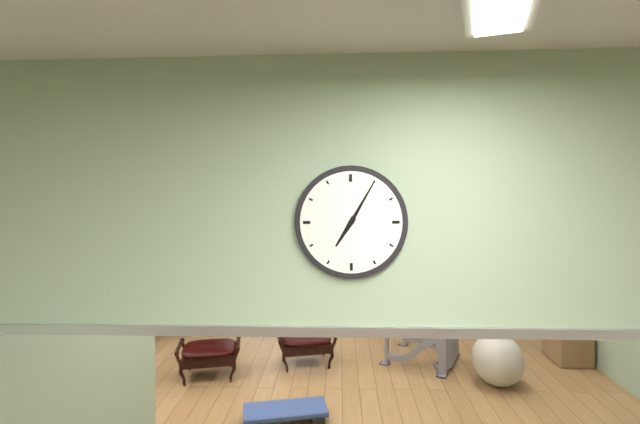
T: 7:05
